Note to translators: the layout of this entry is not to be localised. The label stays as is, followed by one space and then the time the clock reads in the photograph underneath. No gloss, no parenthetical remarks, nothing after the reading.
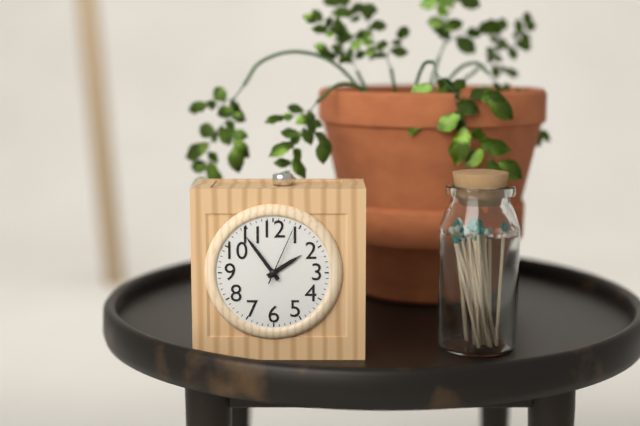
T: 1:54:04
